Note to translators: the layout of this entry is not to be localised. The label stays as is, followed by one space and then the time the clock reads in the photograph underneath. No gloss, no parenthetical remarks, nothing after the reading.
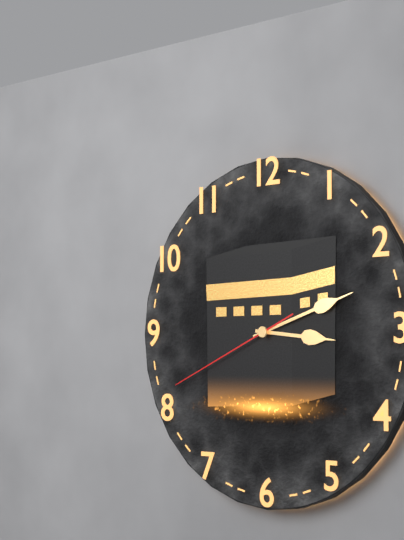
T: 3:12:41
